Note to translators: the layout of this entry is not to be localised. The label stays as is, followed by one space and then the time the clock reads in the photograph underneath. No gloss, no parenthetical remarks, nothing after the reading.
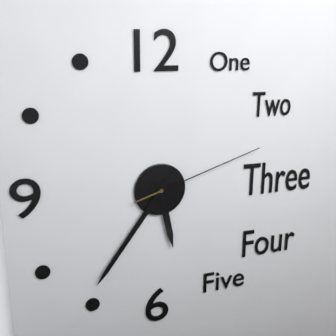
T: 5:36:12
